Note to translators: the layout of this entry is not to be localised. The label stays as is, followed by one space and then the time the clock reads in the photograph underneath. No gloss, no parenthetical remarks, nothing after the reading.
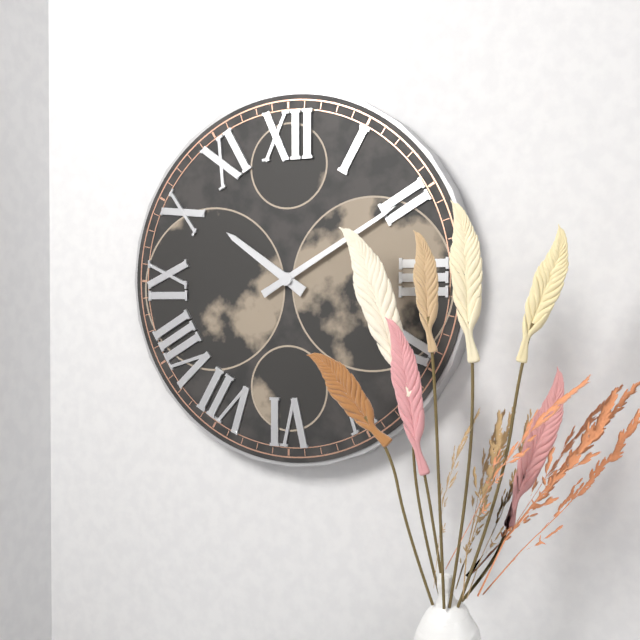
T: 10:10
